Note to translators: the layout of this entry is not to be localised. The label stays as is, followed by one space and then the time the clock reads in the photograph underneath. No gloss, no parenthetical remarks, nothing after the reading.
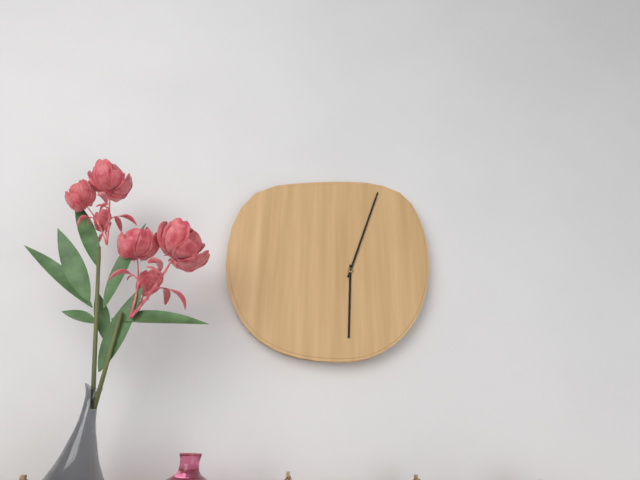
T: 6:03
